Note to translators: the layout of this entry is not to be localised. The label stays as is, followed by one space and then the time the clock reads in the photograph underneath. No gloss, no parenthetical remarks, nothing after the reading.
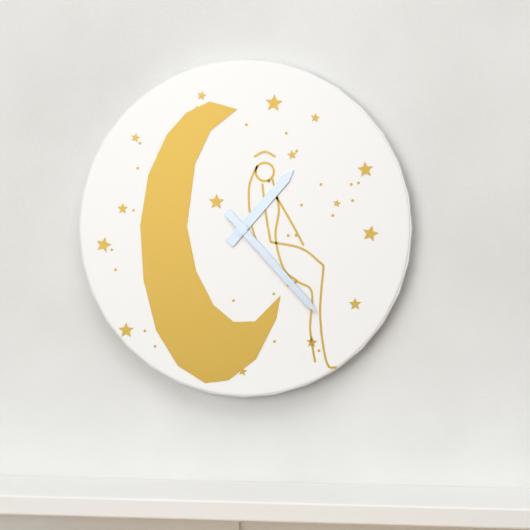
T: 1:23
